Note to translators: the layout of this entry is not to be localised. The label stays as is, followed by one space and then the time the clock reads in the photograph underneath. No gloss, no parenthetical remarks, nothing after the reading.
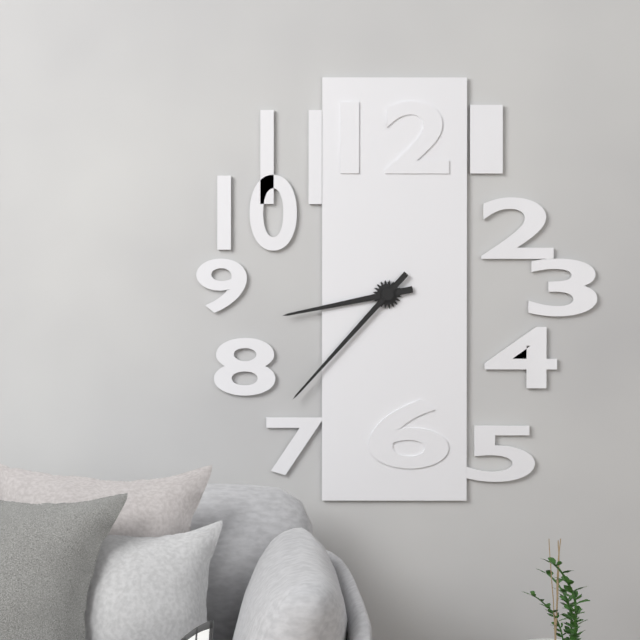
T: 8:37
